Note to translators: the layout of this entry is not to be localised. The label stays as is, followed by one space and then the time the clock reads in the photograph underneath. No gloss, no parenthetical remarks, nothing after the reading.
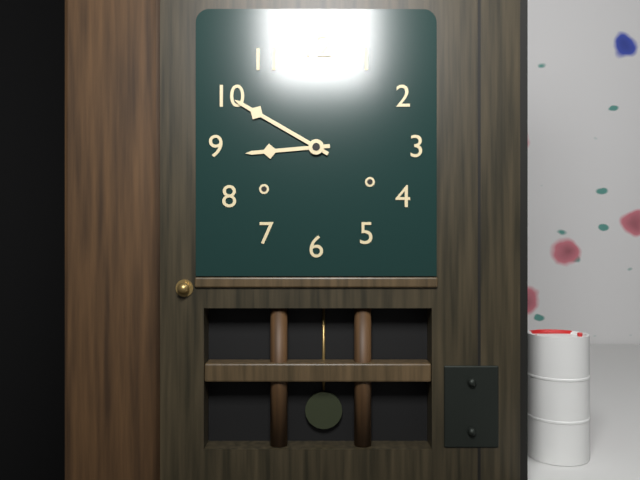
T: 8:50
